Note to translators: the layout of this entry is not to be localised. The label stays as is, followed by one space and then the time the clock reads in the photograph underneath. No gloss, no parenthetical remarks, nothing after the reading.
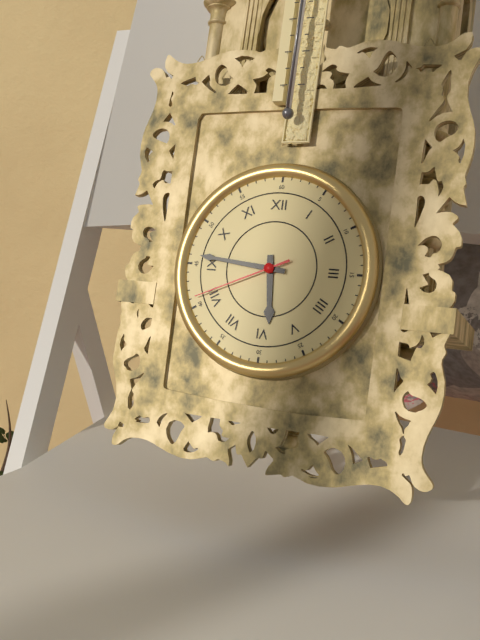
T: 5:46:41
